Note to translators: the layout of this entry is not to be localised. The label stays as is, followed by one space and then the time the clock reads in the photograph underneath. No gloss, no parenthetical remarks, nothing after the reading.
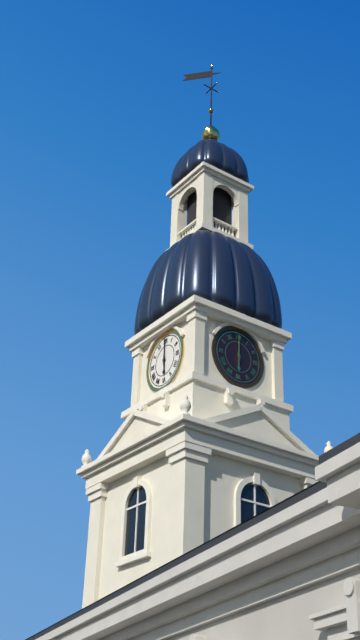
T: 6:00
